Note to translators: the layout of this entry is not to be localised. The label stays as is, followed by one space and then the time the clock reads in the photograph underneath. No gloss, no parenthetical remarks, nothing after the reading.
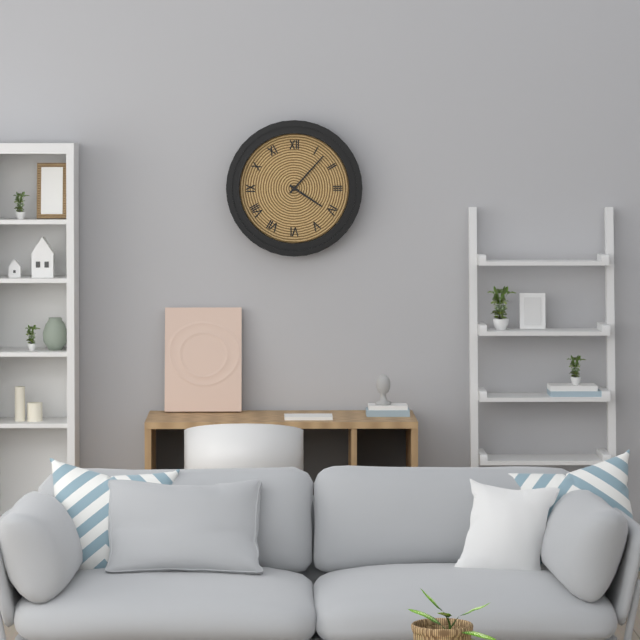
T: 4:07
